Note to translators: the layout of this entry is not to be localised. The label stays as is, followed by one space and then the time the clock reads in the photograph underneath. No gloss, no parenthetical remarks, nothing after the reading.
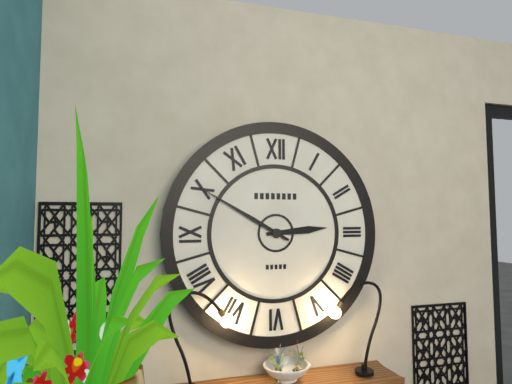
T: 2:50
